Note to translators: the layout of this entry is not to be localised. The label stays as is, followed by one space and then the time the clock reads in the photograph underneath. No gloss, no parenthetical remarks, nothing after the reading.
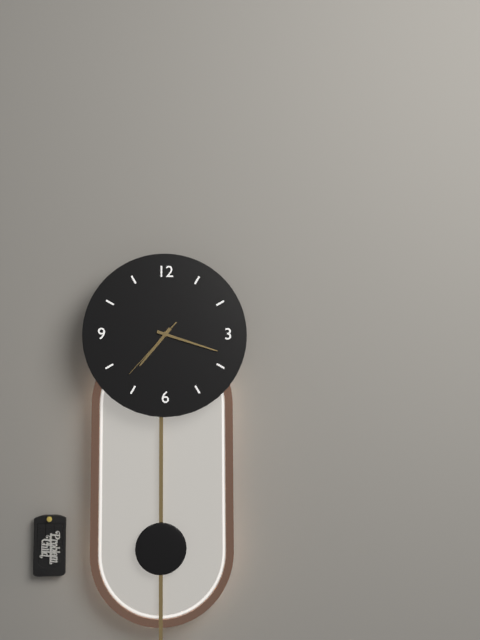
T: 7:18:37
